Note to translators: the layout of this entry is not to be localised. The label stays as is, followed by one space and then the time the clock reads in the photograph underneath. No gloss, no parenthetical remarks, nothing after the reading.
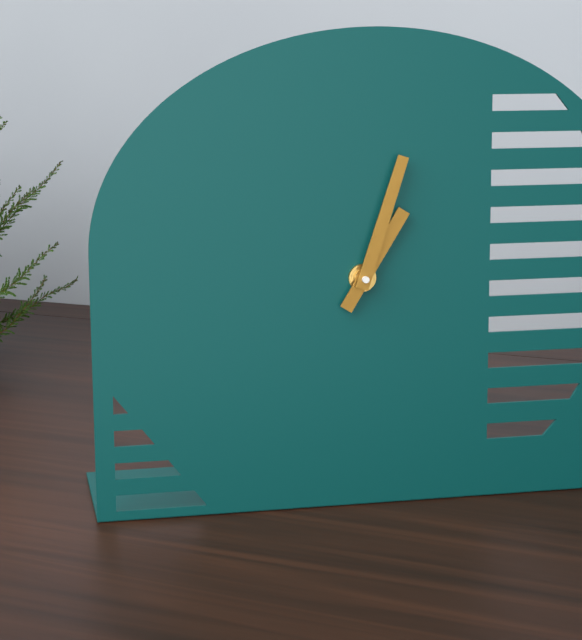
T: 1:03
